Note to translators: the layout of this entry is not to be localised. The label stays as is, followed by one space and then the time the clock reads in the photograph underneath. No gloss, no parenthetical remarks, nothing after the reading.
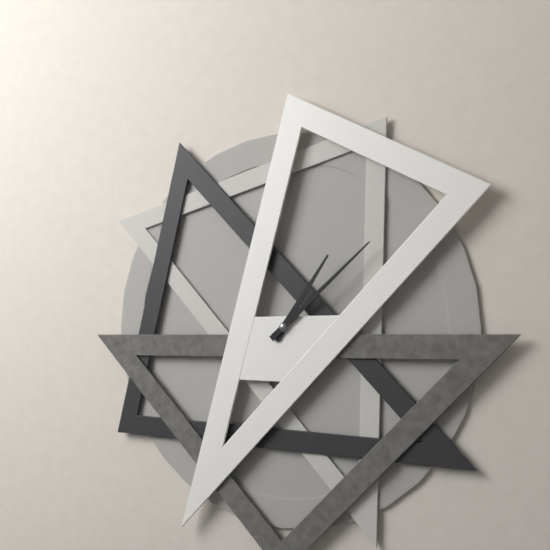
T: 1:08
